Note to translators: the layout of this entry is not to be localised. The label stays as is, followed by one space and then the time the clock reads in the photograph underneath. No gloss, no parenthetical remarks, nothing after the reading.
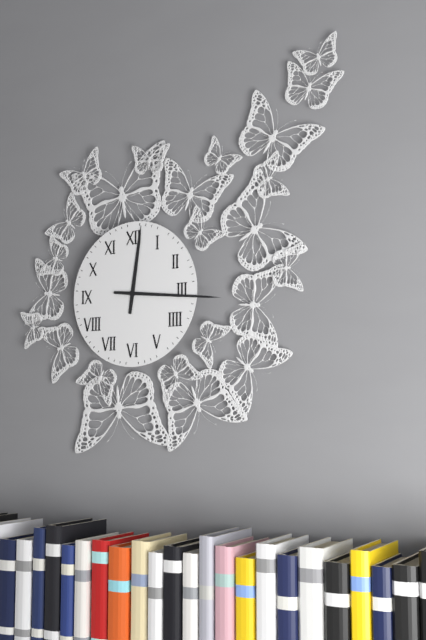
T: 12:16
